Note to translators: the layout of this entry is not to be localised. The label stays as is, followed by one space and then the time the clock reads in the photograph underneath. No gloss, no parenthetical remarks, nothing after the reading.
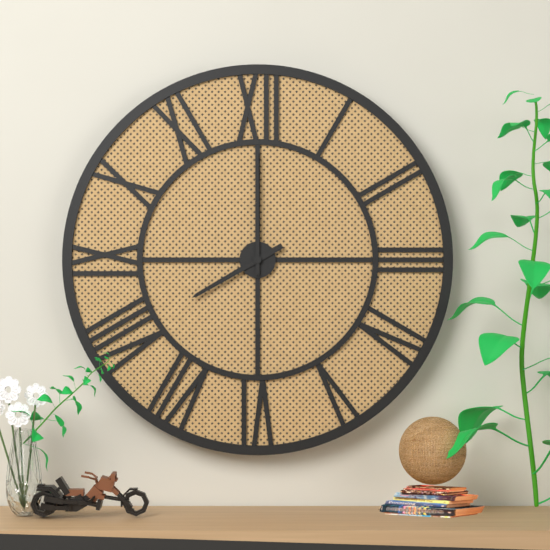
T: 8:00
